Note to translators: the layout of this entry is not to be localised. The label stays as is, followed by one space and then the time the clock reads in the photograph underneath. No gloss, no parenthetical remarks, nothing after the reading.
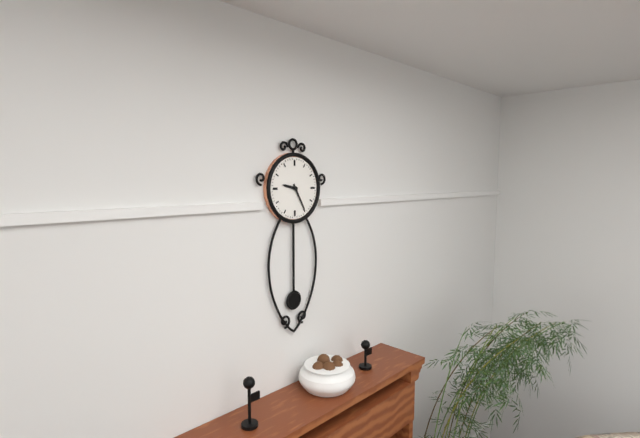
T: 9:25
